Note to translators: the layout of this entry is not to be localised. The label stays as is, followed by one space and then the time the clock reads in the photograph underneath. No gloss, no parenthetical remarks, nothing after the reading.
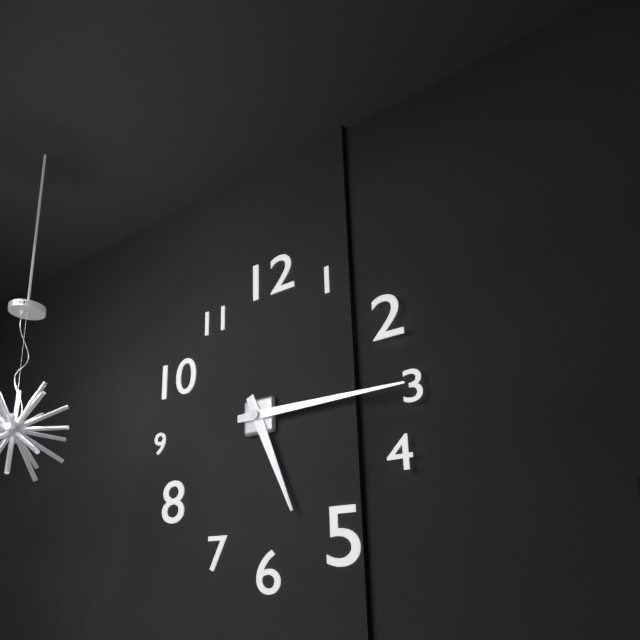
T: 5:15
